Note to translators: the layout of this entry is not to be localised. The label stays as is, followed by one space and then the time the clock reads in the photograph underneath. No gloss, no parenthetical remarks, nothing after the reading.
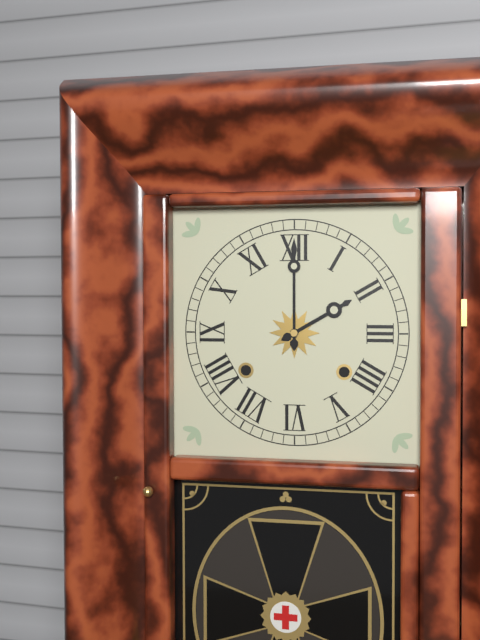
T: 2:00
